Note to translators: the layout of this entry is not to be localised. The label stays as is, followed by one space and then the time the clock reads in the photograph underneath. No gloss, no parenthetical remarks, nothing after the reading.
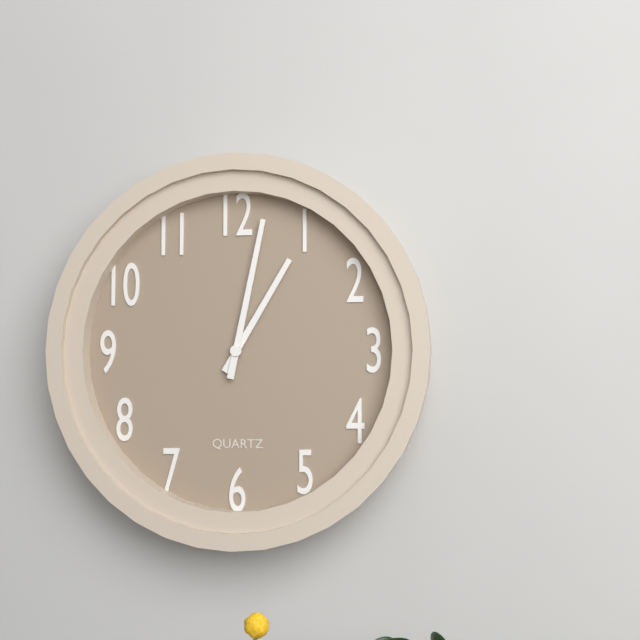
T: 1:02
